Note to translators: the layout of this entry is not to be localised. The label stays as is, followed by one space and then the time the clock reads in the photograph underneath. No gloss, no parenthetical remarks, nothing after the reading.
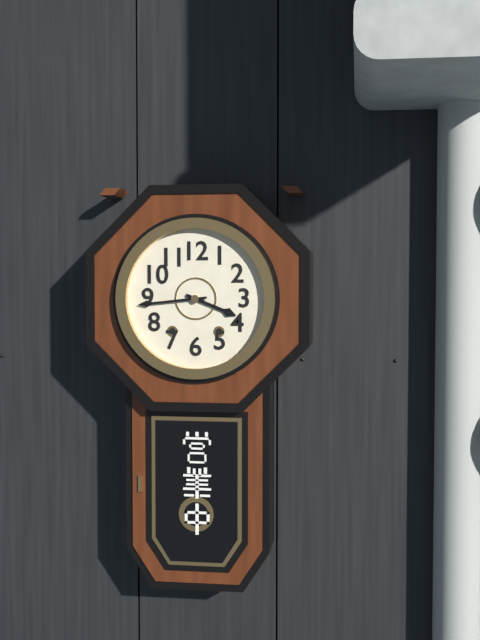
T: 3:44
